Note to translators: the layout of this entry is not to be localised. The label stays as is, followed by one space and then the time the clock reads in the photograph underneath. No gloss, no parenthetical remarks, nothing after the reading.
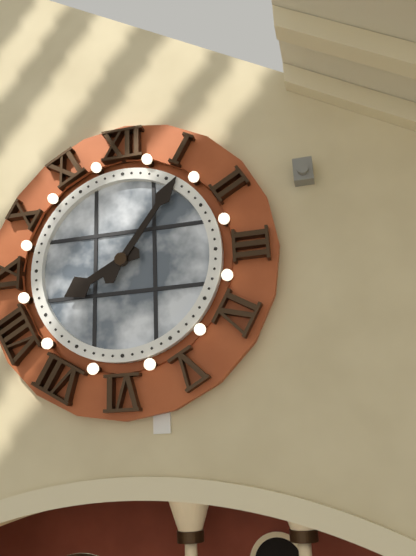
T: 8:06
